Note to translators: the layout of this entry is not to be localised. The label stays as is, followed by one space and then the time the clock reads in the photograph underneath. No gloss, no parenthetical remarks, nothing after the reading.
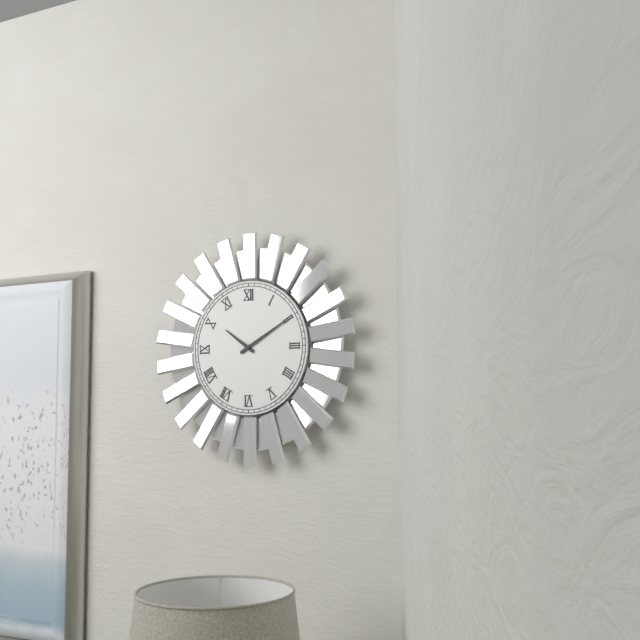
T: 10:10
